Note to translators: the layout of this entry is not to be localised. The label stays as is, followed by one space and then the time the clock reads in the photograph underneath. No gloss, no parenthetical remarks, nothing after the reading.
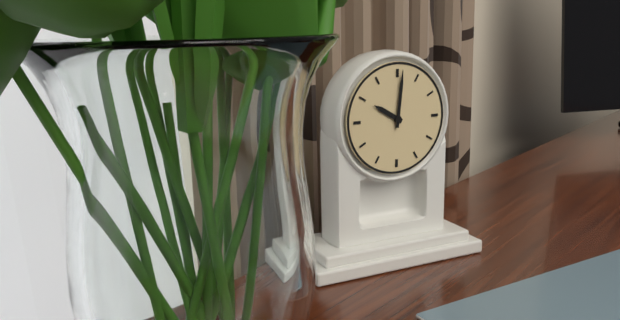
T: 10:01
